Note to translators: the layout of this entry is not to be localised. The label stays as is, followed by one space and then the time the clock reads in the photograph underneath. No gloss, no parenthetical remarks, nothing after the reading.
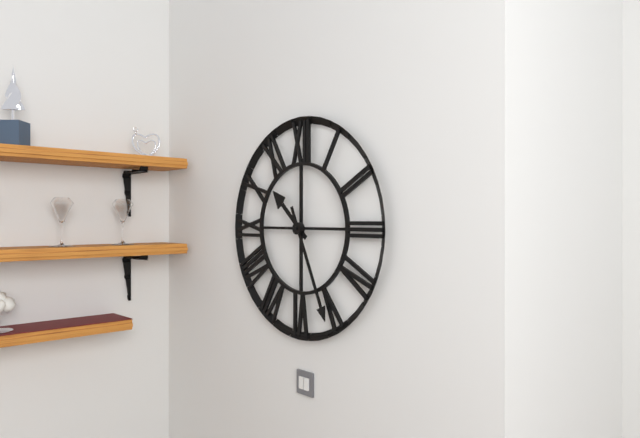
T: 10:26
